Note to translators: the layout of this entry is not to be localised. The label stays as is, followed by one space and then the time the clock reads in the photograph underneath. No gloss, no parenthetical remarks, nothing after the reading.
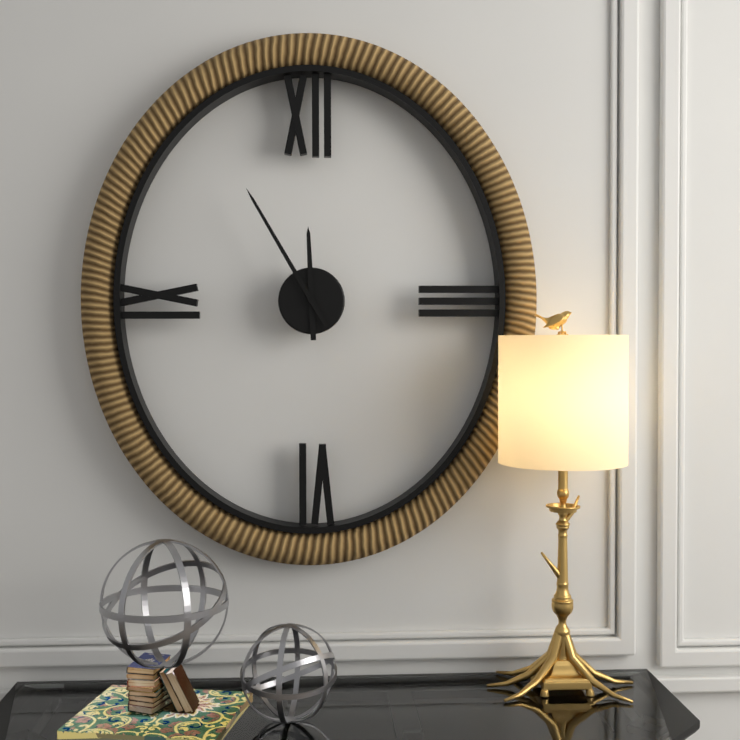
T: 11:55
